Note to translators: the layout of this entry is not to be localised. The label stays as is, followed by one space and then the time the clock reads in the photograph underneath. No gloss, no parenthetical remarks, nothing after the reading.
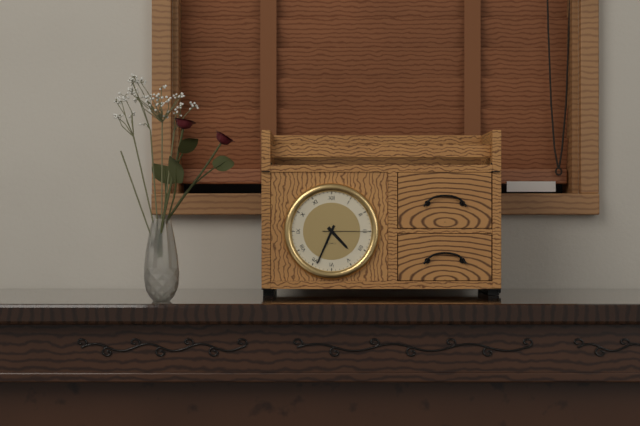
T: 4:34
